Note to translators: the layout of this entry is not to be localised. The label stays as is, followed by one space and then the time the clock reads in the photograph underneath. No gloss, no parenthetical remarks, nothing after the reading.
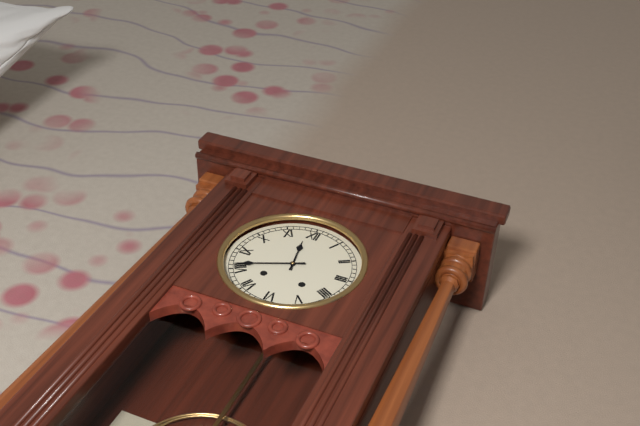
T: 11:41
